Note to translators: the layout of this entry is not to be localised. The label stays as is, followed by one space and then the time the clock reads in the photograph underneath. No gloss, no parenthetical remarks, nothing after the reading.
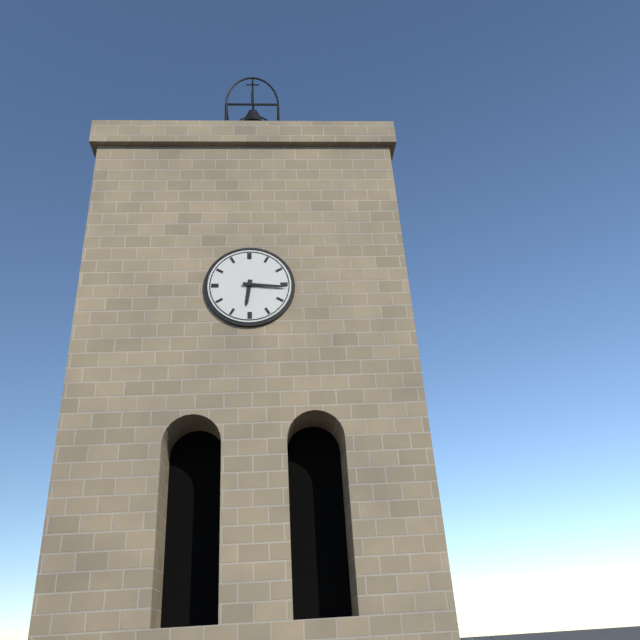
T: 6:16
